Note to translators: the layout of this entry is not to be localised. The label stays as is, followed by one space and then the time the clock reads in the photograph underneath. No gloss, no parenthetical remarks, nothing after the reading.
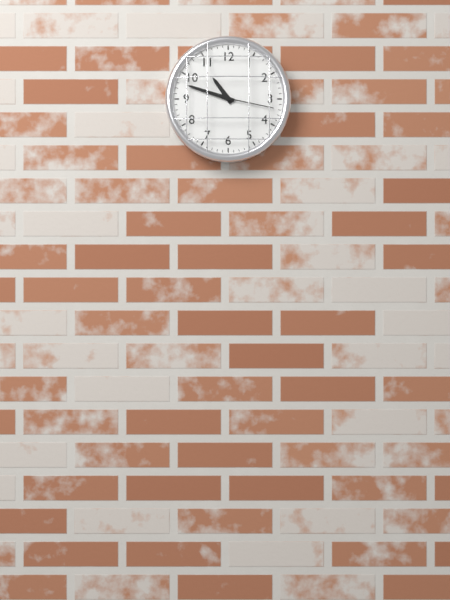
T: 10:48:17
